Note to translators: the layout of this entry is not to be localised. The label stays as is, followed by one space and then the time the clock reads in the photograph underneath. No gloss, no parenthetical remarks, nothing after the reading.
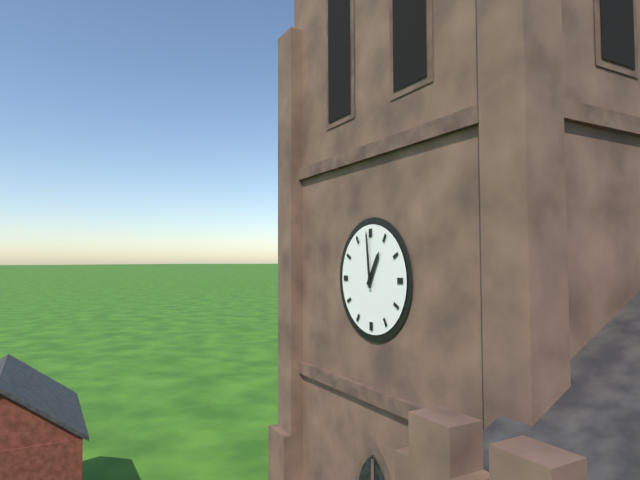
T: 12:59
